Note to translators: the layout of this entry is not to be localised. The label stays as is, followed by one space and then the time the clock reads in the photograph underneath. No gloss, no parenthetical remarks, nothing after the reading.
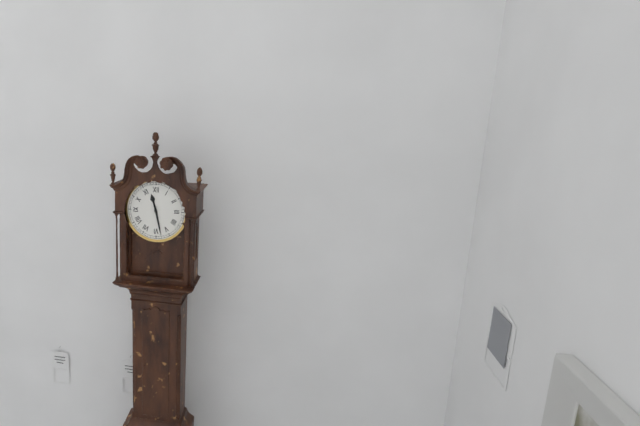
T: 11:28
